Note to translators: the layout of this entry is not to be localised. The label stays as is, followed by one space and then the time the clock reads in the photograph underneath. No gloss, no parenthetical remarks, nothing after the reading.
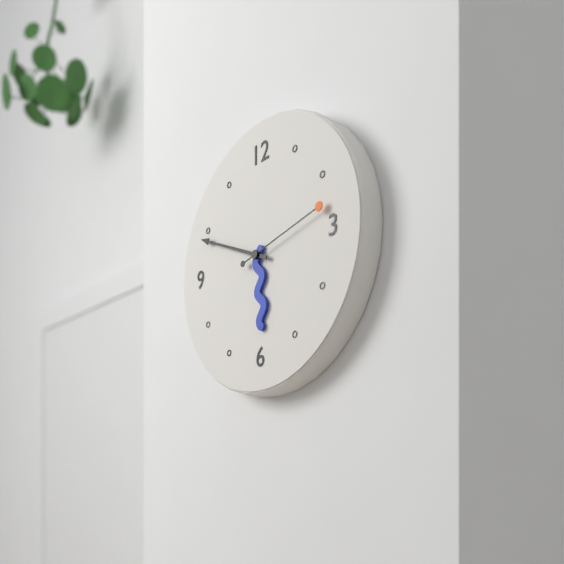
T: 5:49:13
